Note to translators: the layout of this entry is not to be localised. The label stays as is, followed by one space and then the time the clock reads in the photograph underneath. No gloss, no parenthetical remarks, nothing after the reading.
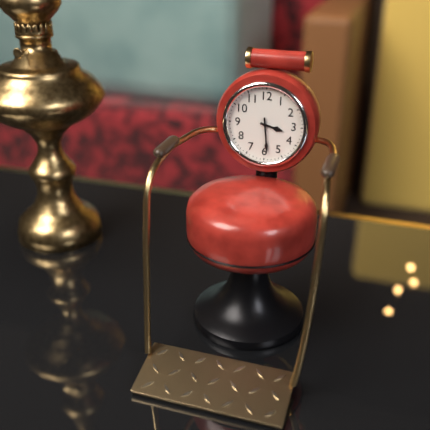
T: 3:29
